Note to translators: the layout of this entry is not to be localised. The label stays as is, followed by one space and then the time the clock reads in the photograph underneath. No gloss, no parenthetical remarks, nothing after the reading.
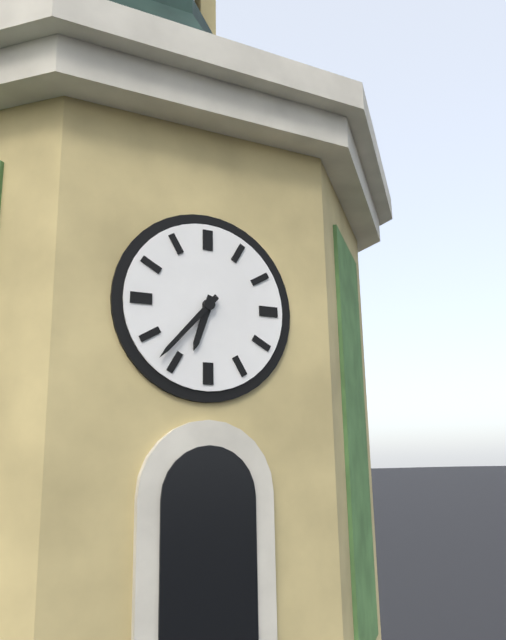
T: 6:37
